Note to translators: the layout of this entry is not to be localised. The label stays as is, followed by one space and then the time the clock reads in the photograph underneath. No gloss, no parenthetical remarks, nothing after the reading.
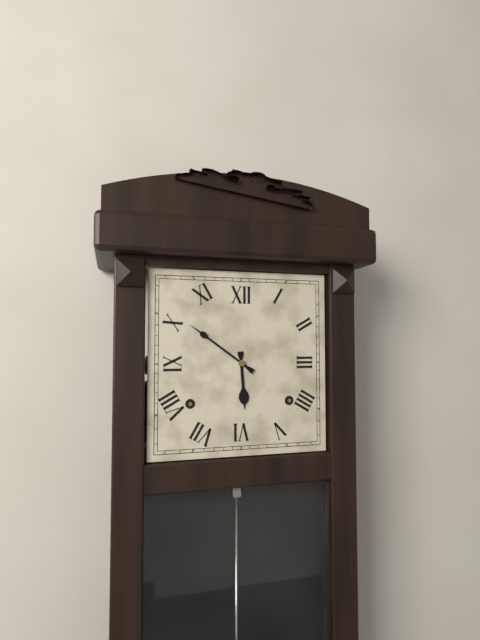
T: 5:51
